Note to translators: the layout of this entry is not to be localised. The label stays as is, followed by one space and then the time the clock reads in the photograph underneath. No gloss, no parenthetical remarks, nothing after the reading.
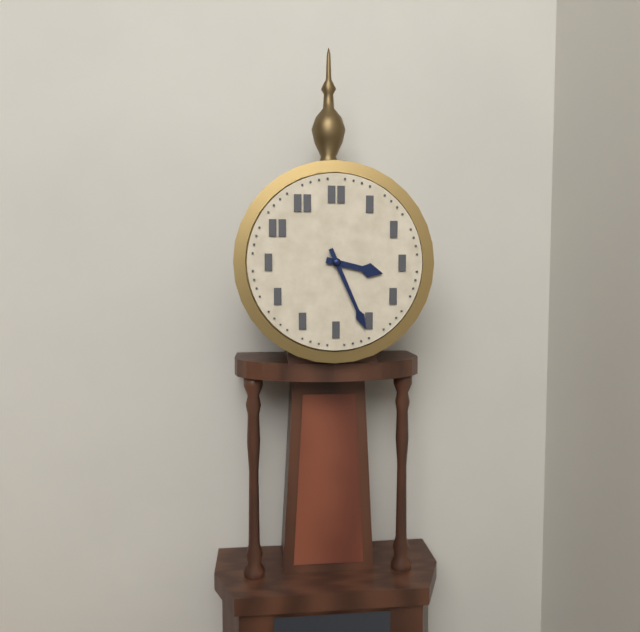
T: 3:26
